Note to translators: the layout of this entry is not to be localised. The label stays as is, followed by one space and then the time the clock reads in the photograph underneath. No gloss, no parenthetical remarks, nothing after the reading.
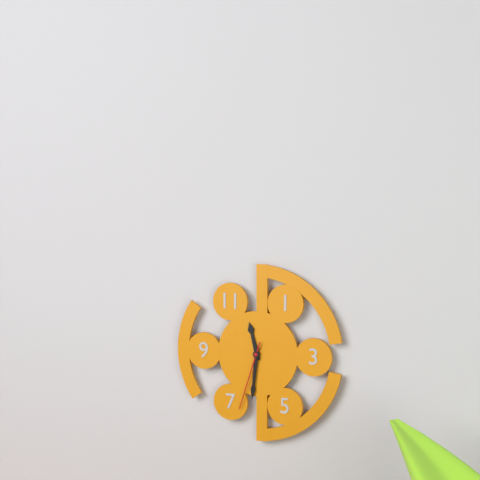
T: 11:31:33
